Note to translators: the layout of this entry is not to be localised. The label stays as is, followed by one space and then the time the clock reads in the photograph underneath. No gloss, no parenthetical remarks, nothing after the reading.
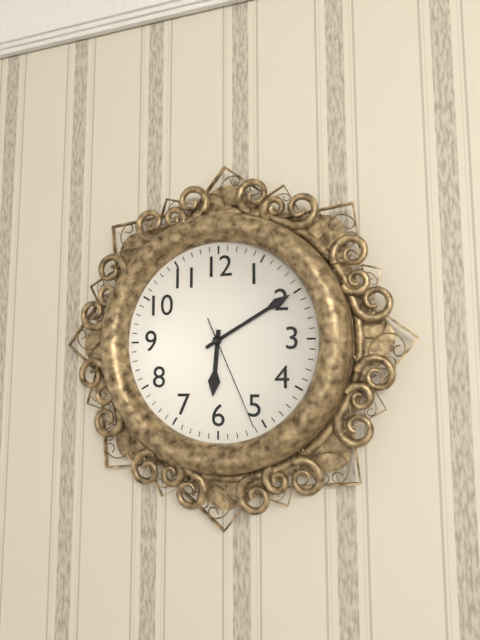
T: 6:10:26
